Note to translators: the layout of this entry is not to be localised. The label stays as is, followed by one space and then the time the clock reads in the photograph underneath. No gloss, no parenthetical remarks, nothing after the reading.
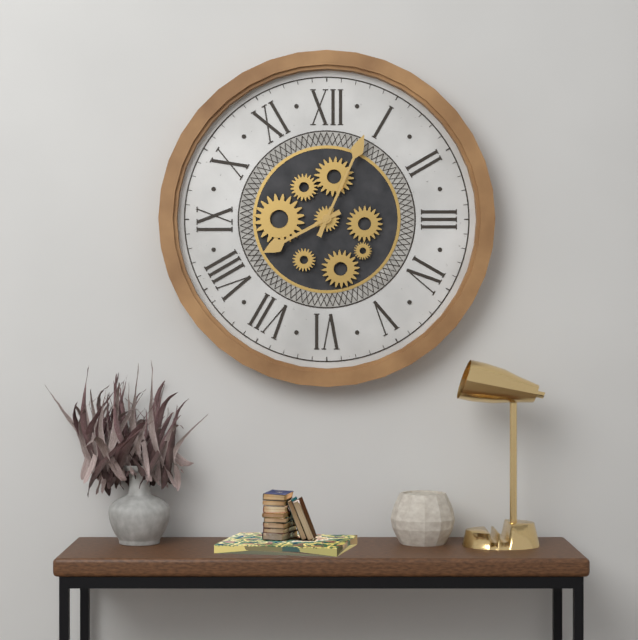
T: 8:04
